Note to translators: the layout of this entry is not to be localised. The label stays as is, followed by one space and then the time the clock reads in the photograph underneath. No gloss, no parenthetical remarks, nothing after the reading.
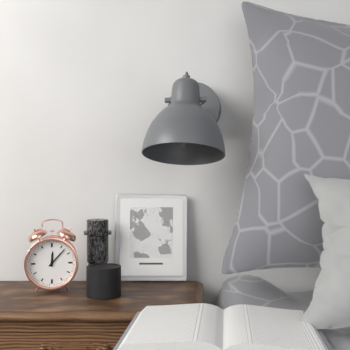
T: 12:07
